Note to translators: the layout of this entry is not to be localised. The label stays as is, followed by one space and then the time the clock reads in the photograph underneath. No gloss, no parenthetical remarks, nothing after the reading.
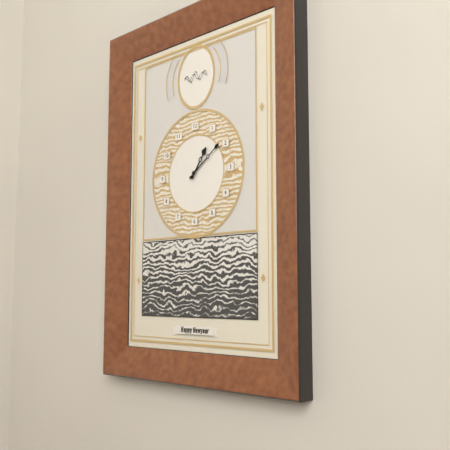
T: 1:09
